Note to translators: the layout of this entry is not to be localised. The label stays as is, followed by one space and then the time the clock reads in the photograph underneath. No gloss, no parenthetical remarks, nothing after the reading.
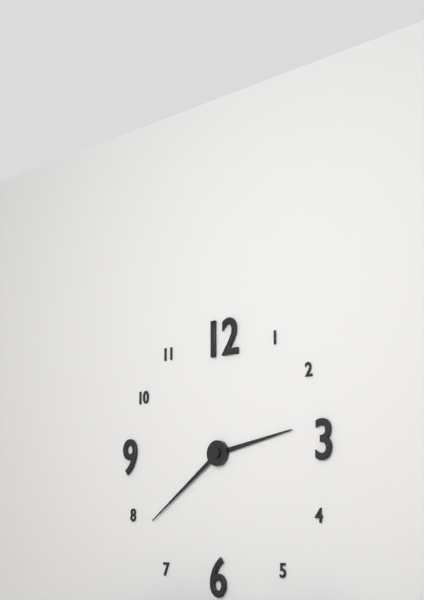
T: 2:39
